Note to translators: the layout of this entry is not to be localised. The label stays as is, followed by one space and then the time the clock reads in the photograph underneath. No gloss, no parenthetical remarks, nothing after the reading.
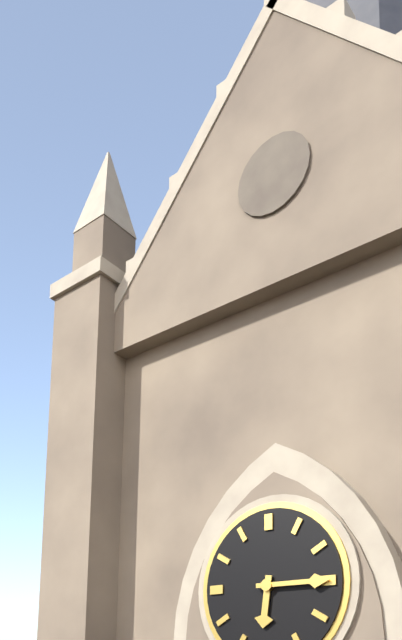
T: 6:15
